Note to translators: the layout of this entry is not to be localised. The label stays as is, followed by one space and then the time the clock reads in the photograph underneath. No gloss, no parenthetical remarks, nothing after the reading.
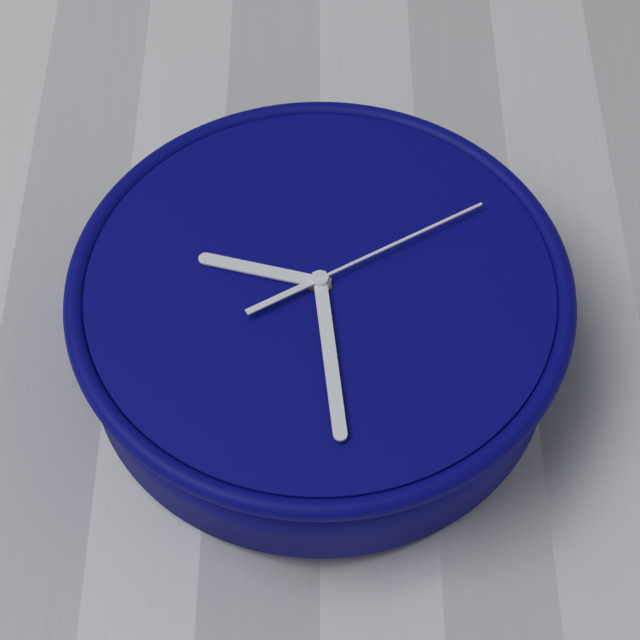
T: 9:29:10
